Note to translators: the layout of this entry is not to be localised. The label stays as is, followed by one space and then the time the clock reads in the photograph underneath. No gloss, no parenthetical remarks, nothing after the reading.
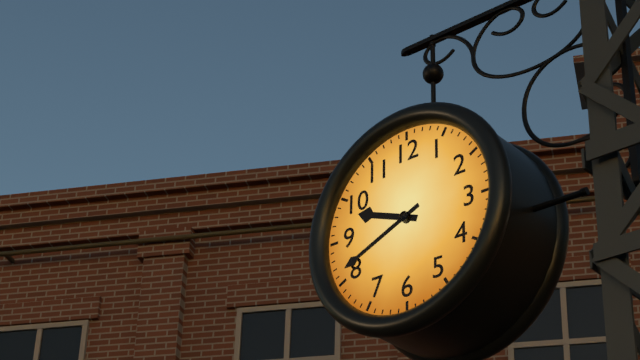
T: 9:41
